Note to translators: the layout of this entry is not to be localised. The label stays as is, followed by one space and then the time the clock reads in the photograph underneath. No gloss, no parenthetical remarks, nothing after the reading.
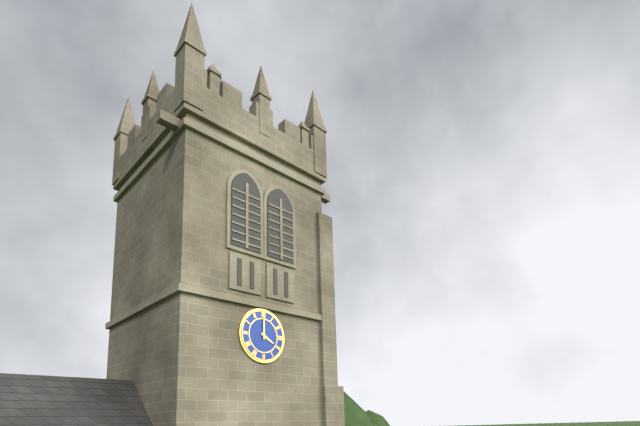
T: 4:00
